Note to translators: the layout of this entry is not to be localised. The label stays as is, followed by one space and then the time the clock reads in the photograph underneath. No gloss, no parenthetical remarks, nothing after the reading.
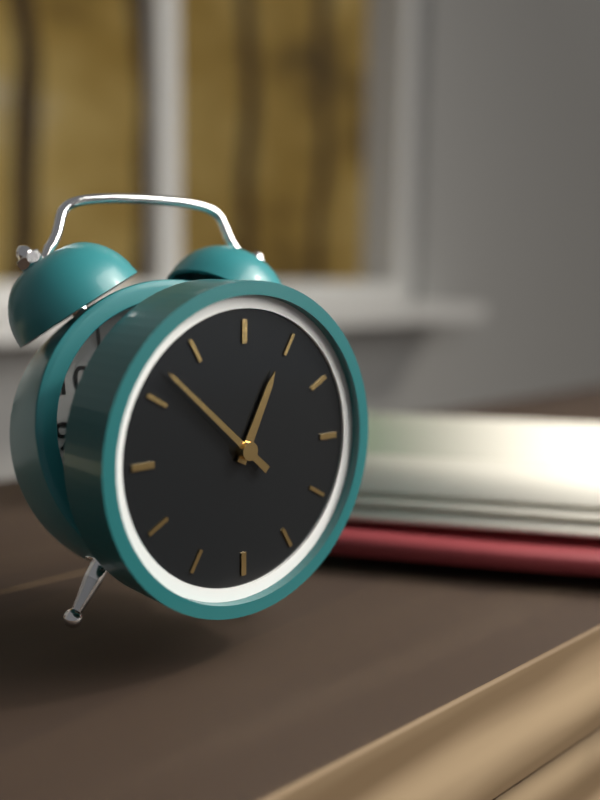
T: 12:52
